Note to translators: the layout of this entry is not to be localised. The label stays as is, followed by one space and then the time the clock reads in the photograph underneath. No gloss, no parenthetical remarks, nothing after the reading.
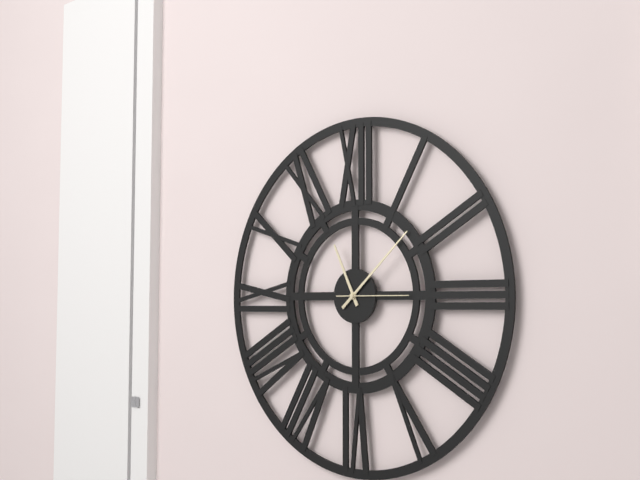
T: 11:08:15
